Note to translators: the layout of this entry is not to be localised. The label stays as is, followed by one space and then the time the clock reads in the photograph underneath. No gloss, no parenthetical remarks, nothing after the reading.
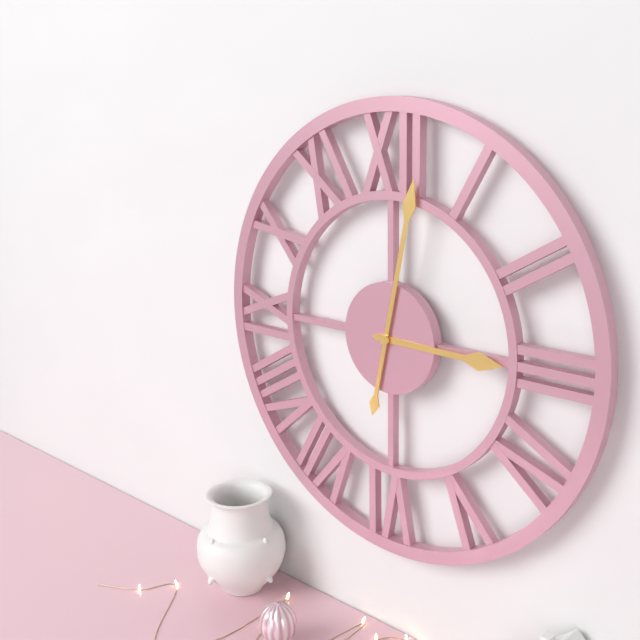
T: 3:02
